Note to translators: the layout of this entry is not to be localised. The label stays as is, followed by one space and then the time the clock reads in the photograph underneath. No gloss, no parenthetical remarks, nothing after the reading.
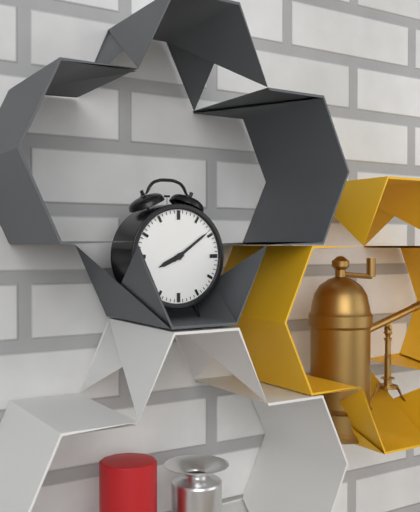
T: 8:09
